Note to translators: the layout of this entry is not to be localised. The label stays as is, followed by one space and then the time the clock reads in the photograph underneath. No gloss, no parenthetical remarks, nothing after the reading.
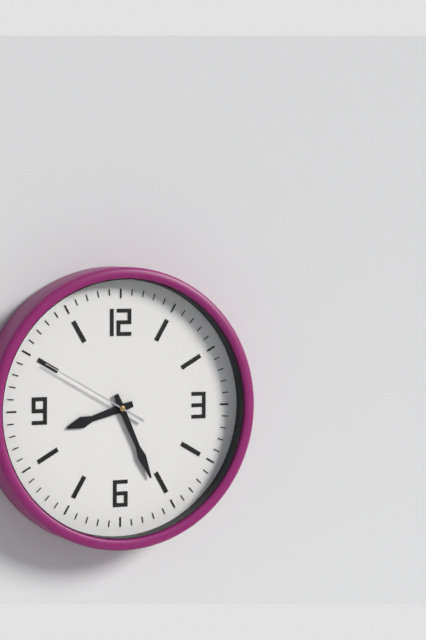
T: 8:26:50
